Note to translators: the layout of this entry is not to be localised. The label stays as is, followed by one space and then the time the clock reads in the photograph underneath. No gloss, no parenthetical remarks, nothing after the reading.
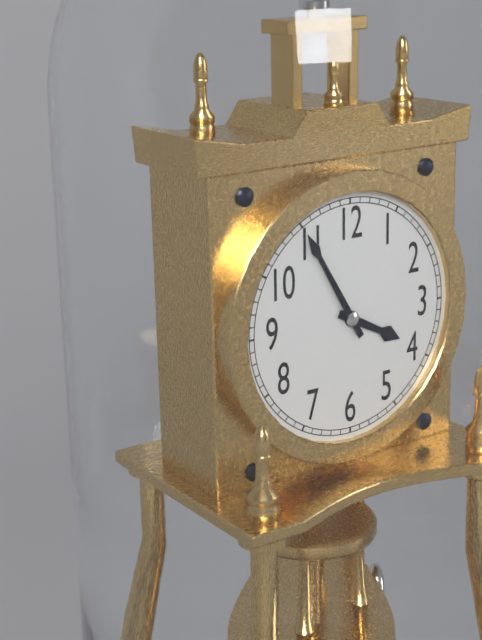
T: 3:55
